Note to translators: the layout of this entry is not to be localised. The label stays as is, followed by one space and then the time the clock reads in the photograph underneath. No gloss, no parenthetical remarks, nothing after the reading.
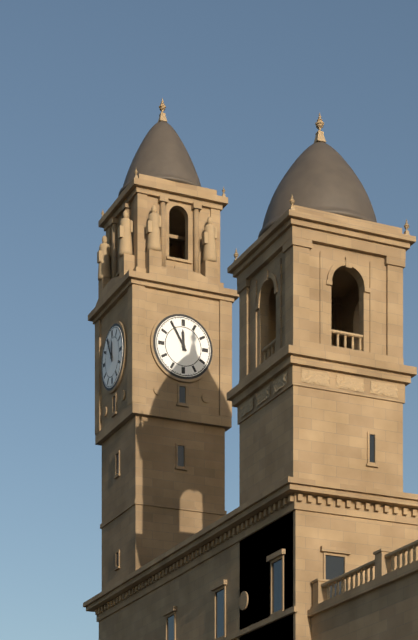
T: 11:55
